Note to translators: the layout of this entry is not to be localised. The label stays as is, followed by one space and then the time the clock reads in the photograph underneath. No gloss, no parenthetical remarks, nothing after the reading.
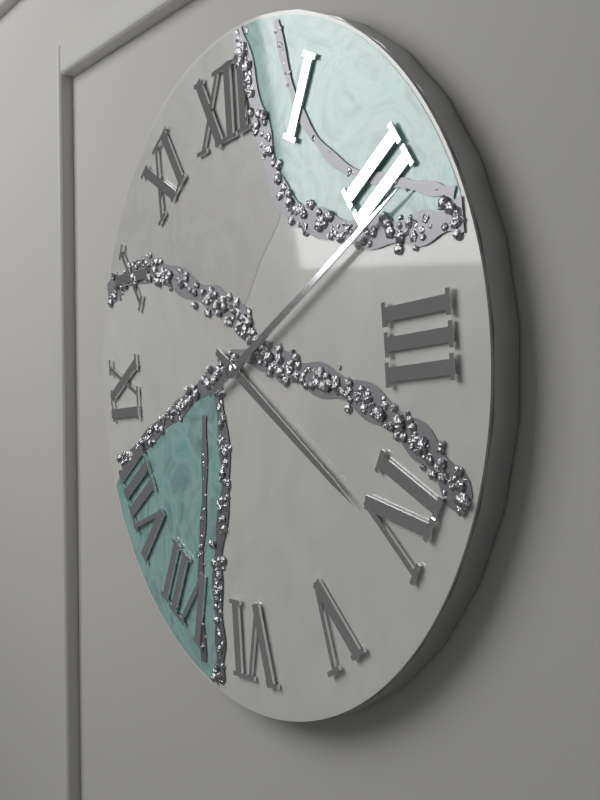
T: 4:11
